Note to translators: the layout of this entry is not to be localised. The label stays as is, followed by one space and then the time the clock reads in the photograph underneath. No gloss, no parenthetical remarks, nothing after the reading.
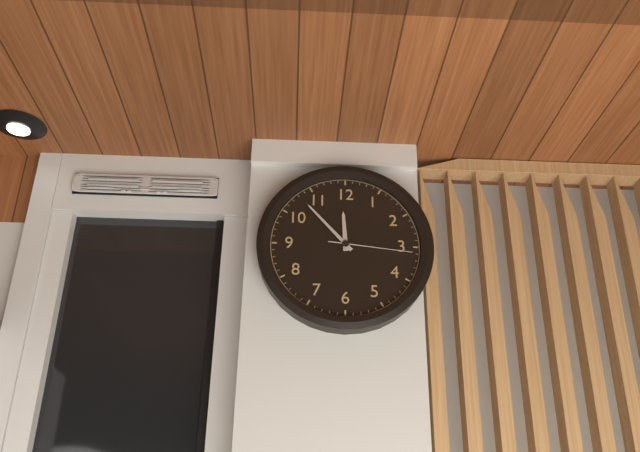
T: 11:53:16
